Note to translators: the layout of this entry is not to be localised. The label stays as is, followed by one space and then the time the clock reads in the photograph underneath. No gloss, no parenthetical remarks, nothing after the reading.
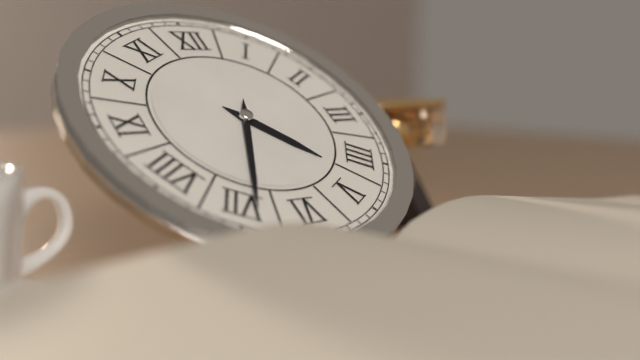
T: 4:34
